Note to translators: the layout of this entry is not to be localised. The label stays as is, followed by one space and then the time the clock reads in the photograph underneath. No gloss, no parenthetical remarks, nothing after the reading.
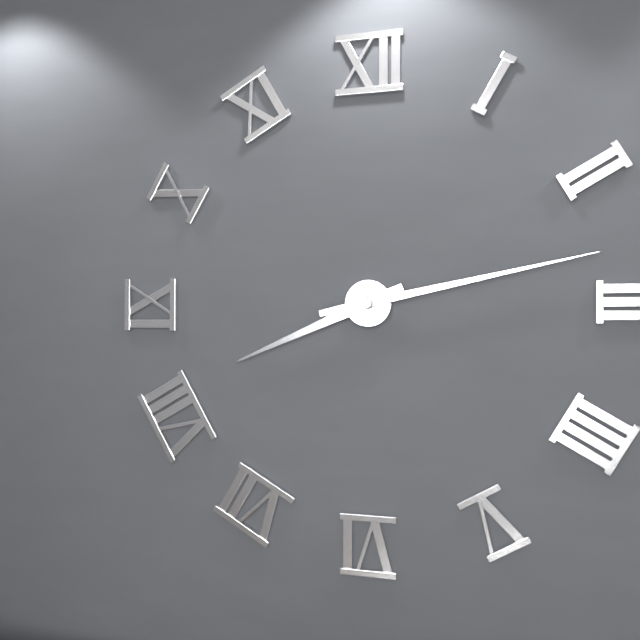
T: 8:13
